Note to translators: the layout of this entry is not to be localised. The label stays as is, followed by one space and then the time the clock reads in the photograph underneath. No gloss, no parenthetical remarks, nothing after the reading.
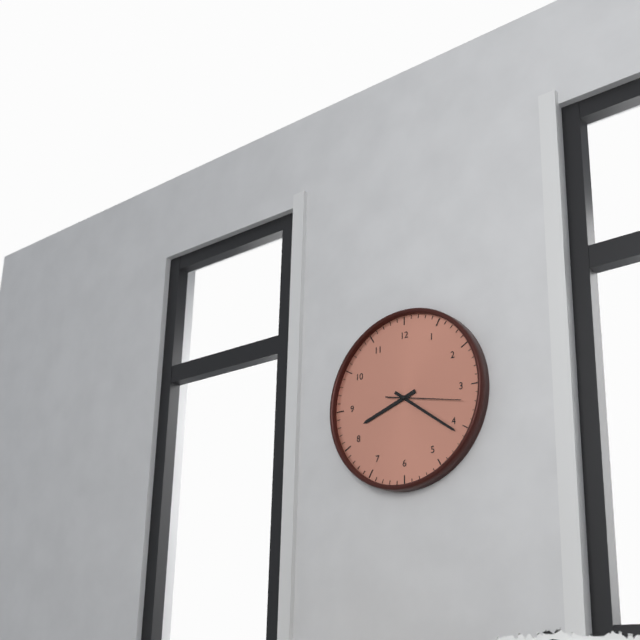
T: 8:21:17
